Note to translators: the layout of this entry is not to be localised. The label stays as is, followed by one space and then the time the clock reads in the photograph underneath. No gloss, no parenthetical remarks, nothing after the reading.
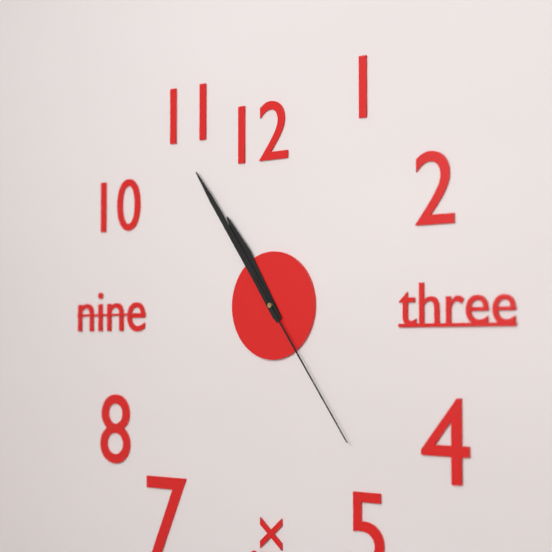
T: 10:54:24
